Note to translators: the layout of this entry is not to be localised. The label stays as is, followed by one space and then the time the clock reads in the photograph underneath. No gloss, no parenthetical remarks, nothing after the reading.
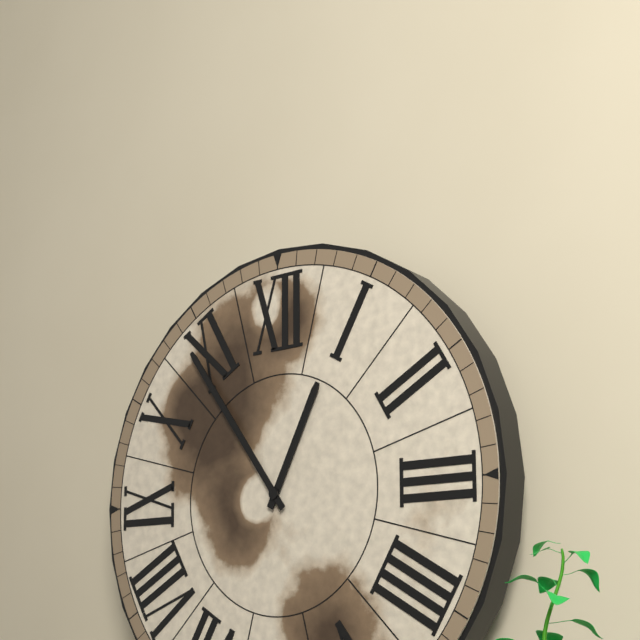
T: 12:54
